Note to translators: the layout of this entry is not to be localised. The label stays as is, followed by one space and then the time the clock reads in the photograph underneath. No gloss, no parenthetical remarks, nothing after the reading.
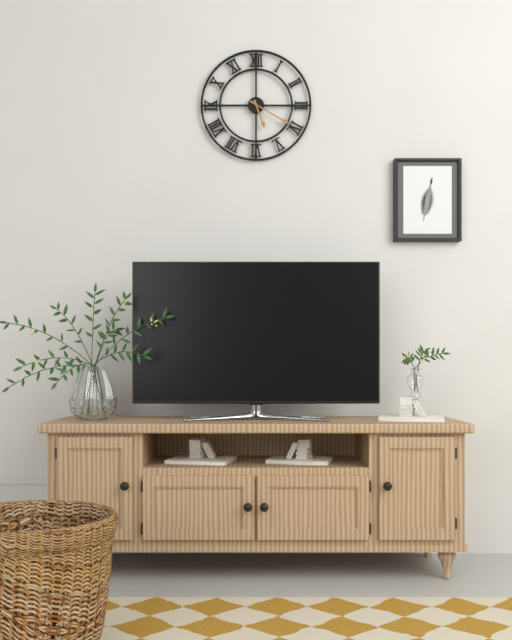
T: 5:20
